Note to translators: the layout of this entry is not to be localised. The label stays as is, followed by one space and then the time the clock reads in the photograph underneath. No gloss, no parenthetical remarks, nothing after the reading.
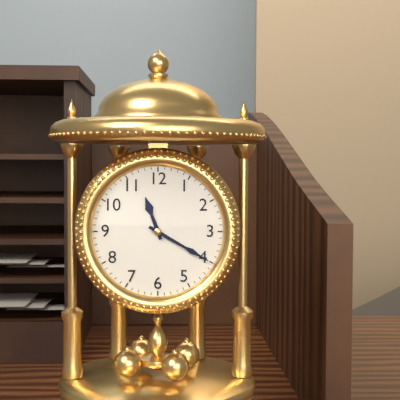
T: 11:20
